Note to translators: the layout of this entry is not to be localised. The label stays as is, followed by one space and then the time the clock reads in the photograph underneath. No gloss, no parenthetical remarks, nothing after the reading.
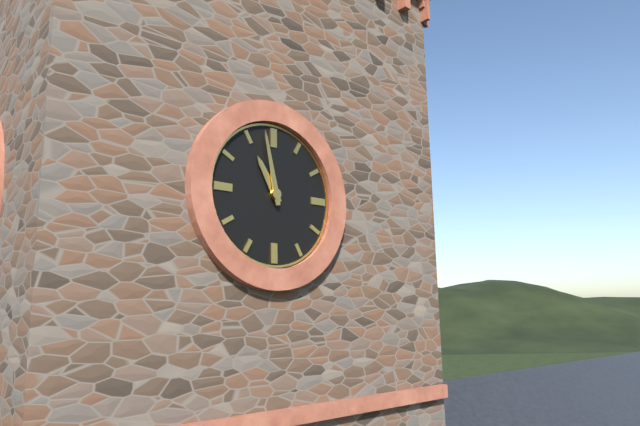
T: 10:58
